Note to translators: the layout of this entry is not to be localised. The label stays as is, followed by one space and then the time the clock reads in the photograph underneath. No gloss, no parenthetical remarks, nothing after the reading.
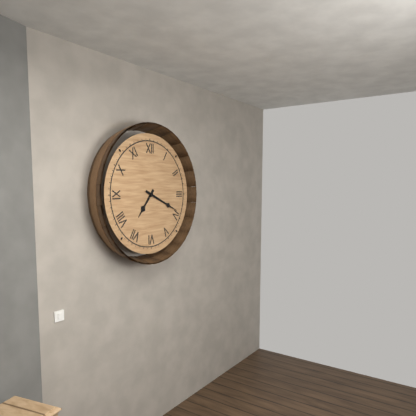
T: 7:19
